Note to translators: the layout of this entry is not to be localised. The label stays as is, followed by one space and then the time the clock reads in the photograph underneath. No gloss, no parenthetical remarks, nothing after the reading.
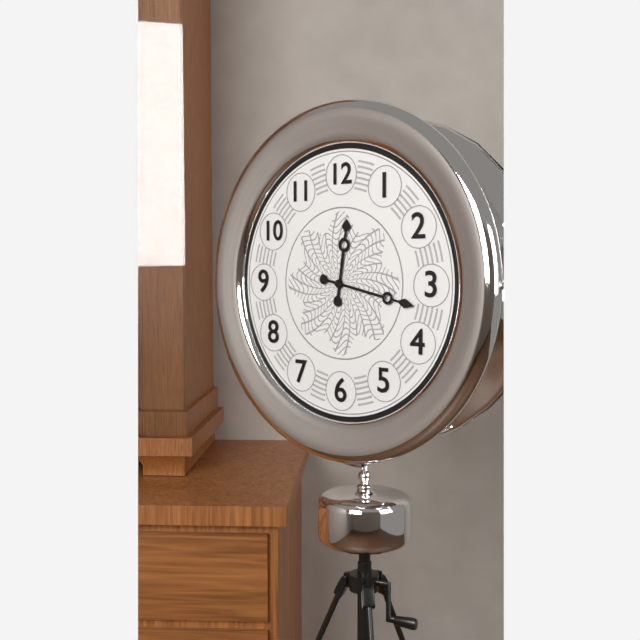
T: 12:17
